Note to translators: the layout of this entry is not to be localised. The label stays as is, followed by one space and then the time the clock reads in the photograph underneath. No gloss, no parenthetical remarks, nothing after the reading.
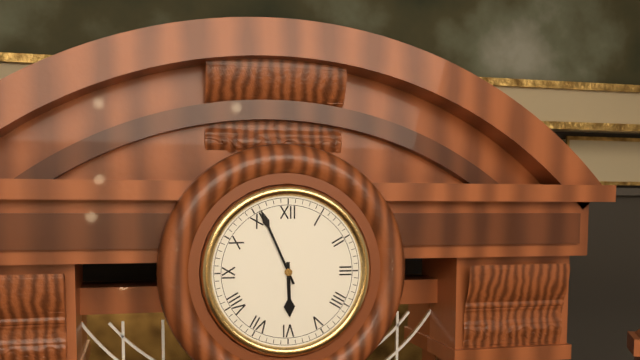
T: 5:56
